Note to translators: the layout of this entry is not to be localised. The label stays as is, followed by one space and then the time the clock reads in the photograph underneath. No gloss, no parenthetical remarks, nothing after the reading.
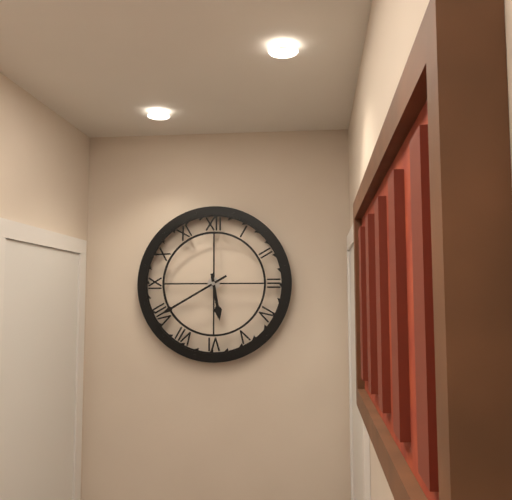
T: 5:40
